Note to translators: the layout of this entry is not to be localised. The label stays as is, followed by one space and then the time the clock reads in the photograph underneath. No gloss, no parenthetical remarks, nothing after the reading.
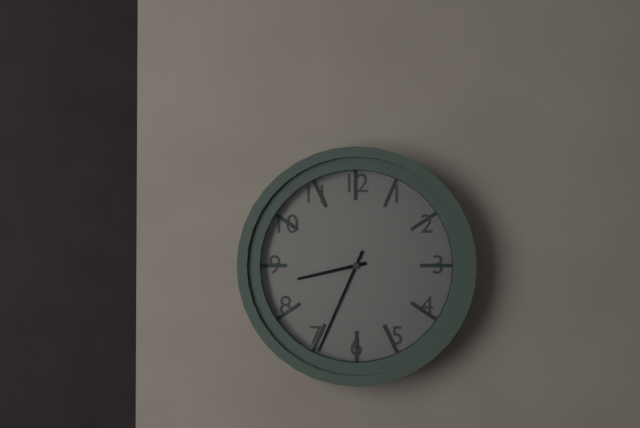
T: 8:34
